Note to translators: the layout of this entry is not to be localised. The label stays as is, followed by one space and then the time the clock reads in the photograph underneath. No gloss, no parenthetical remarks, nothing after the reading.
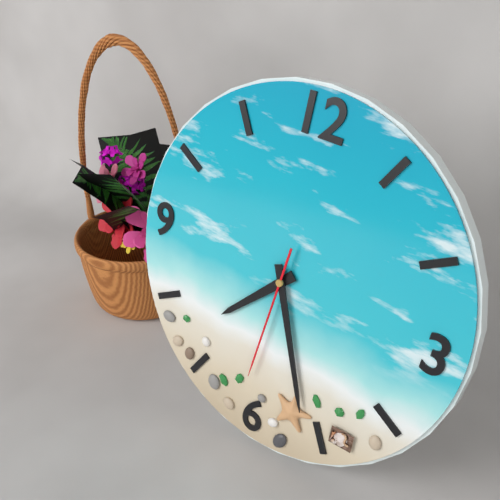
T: 7:26:31
